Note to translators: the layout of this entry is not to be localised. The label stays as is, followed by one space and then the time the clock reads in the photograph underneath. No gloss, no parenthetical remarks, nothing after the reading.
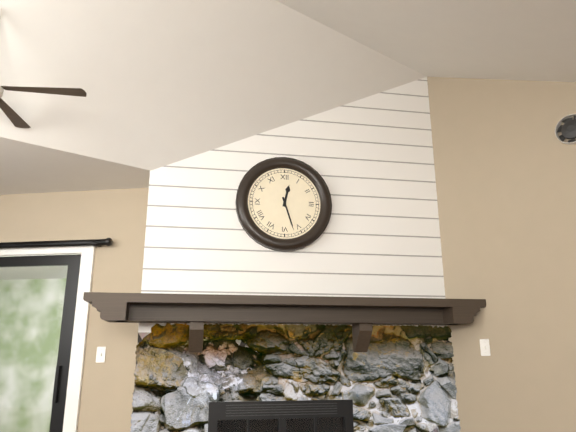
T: 12:27
